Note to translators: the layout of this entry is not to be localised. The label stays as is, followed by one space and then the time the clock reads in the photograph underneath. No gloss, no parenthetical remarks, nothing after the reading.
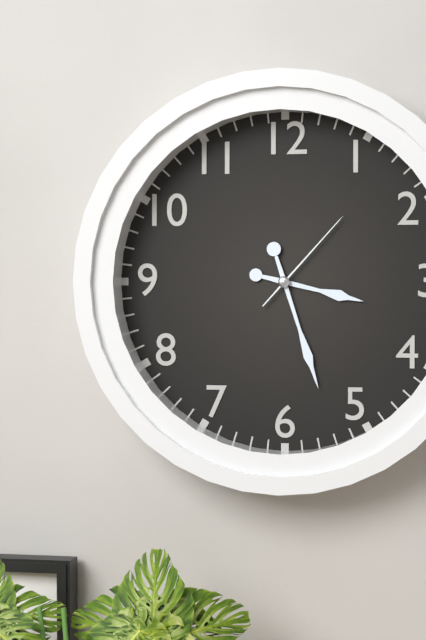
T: 3:27:07
